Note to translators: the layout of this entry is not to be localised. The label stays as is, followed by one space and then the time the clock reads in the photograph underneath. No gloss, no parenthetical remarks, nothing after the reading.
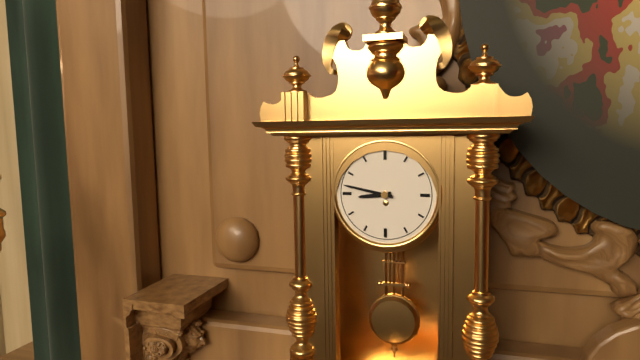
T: 8:47
